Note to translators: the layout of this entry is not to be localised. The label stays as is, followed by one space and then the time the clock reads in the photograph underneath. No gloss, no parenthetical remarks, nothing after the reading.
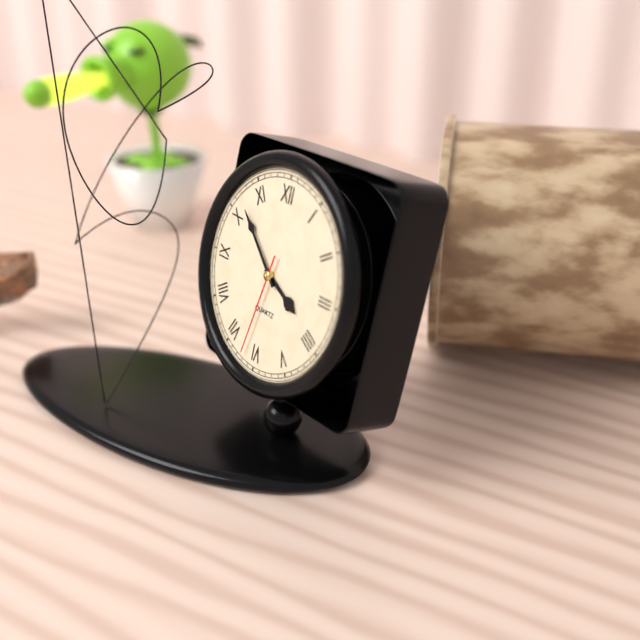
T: 3:52:32
